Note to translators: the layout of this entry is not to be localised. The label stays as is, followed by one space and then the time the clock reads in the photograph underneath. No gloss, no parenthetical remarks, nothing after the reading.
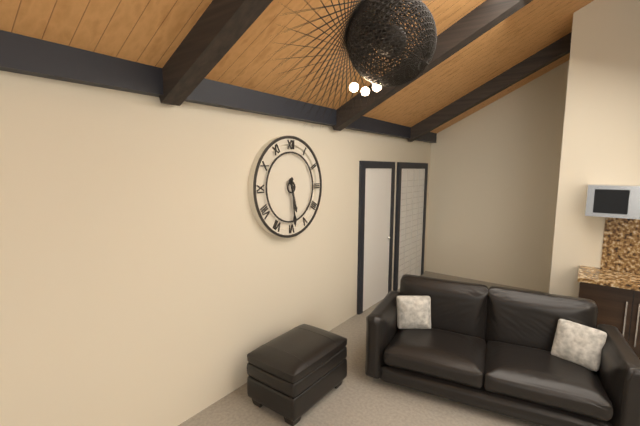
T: 5:29
